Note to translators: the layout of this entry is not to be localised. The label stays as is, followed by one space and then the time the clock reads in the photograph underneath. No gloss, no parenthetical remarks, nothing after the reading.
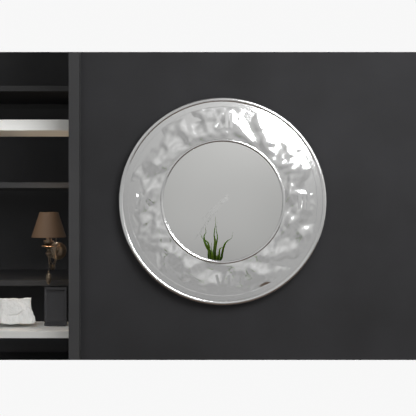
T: 7:36
